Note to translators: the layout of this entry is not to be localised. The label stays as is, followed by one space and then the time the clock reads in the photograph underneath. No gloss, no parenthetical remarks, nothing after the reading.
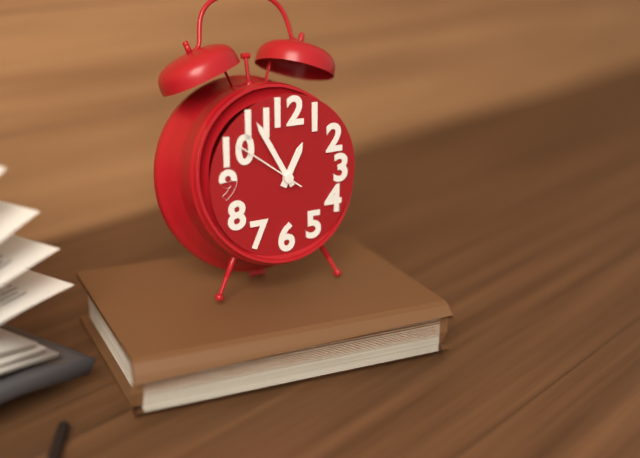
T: 12:55:51
